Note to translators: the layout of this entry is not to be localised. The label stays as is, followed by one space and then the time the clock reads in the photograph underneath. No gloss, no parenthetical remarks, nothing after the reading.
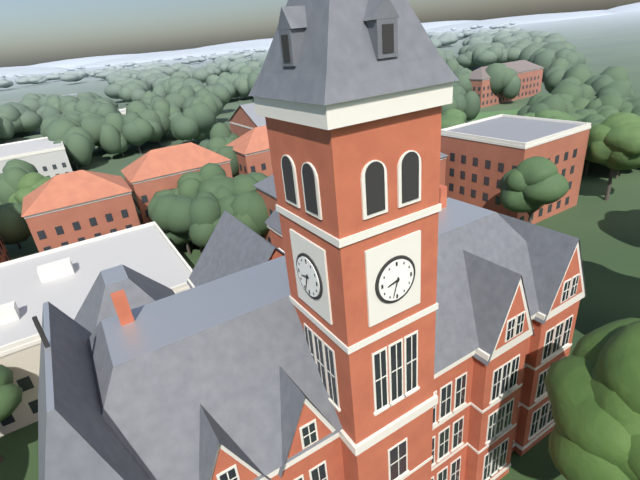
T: 8:33
